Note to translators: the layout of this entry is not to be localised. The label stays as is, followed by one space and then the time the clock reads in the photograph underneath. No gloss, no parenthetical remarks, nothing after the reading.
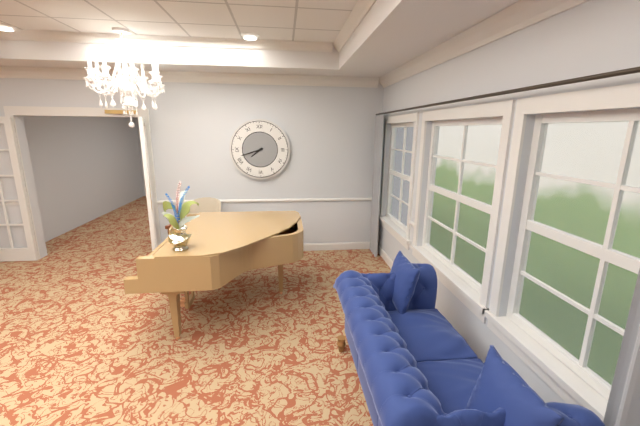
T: 7:42
